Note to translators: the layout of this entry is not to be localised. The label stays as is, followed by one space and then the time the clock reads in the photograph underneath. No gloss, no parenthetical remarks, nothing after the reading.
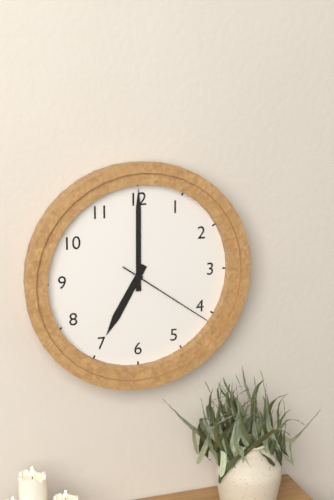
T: 7:00:21
